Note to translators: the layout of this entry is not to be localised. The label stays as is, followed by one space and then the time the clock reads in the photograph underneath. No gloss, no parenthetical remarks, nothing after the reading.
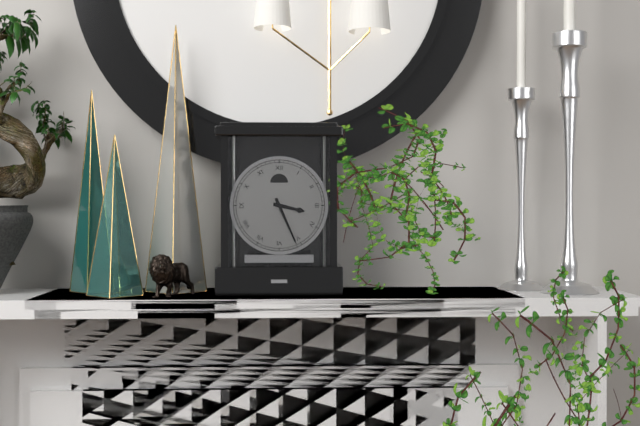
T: 3:26
